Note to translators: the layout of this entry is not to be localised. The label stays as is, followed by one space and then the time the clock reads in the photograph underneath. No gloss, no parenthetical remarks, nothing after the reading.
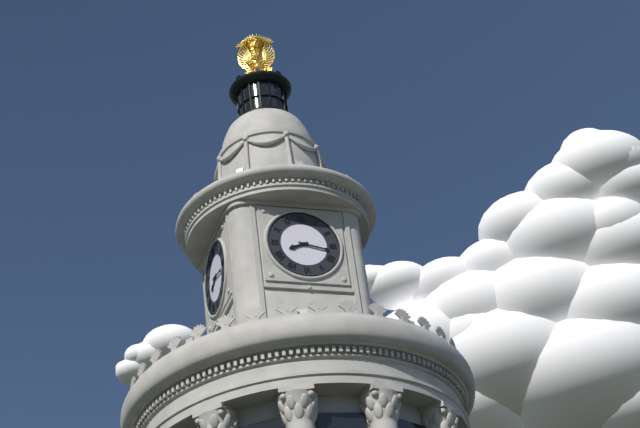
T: 8:17
